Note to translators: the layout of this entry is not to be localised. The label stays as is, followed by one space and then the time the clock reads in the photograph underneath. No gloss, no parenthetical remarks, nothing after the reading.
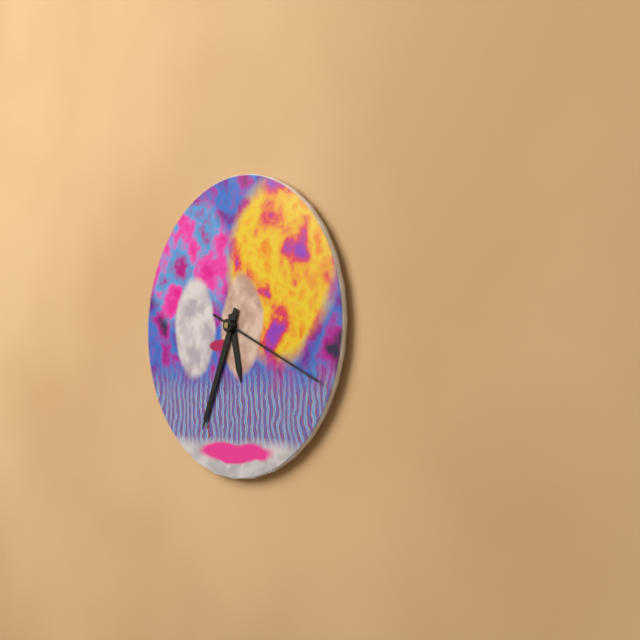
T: 5:34:19
